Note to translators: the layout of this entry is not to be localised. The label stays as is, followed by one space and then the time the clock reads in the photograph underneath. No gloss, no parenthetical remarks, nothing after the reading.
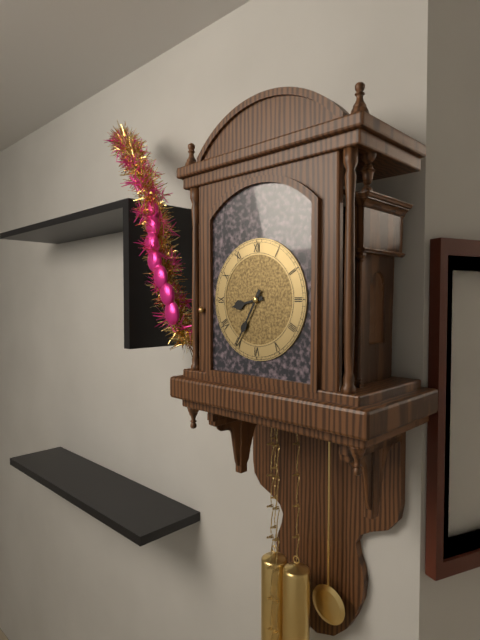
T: 8:35
